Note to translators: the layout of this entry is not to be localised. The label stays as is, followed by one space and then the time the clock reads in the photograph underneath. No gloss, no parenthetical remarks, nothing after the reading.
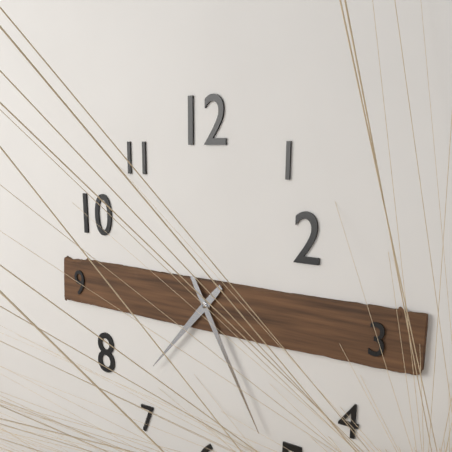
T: 7:25
